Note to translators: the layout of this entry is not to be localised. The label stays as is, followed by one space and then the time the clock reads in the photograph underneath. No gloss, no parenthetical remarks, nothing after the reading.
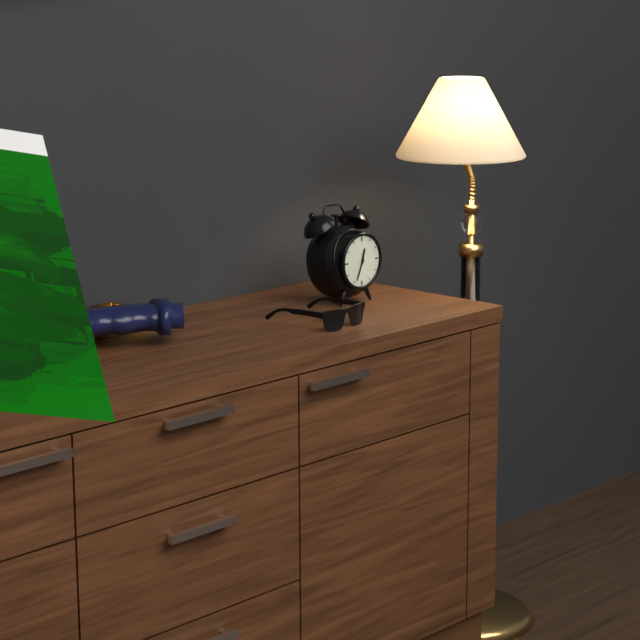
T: 12:34
